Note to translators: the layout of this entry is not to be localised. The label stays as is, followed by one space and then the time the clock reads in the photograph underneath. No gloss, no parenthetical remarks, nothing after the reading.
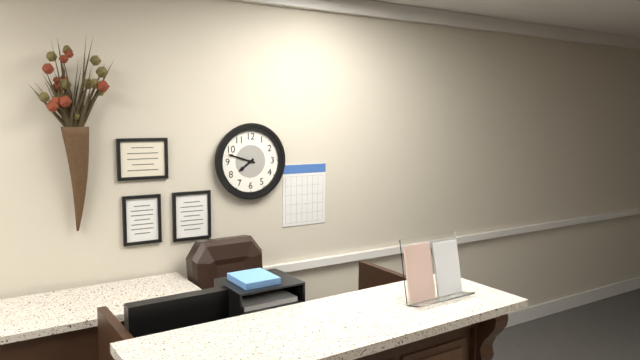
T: 7:48
